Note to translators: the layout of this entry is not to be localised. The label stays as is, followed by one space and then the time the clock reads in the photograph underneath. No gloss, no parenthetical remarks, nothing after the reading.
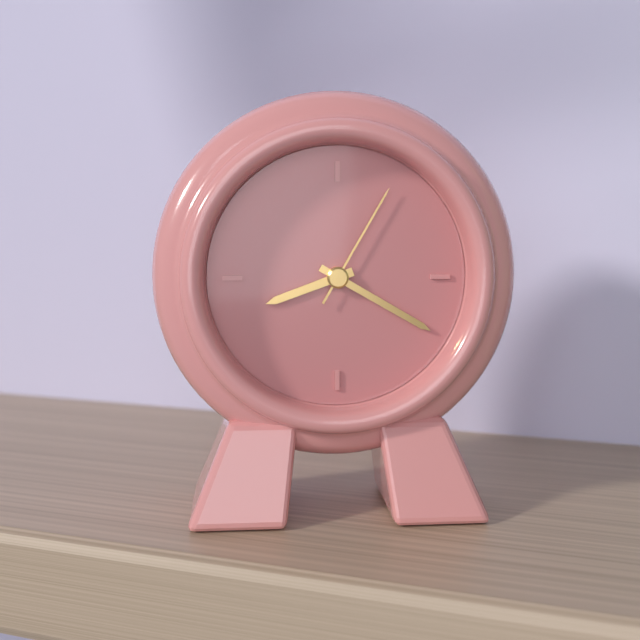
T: 8:20:05
